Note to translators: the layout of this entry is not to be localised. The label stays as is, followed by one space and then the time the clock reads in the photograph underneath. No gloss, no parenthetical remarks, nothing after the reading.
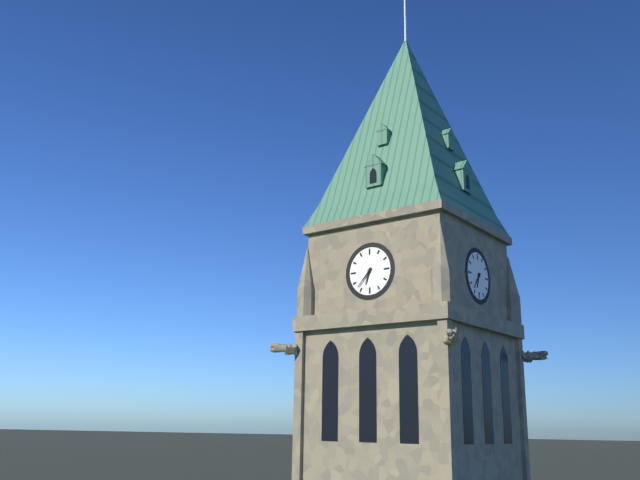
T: 6:37
